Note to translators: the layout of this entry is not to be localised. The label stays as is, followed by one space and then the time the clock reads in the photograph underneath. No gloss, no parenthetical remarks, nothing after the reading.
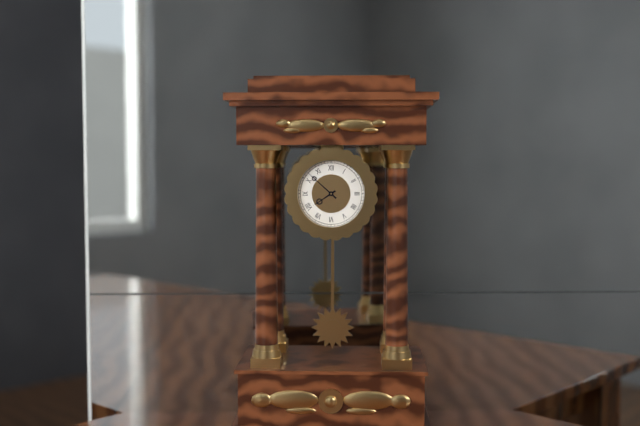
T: 7:52
